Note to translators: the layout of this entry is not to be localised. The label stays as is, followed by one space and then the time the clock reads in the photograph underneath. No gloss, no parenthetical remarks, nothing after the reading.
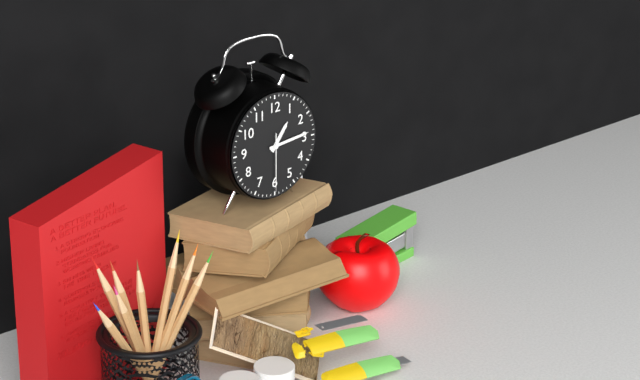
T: 1:14:30
